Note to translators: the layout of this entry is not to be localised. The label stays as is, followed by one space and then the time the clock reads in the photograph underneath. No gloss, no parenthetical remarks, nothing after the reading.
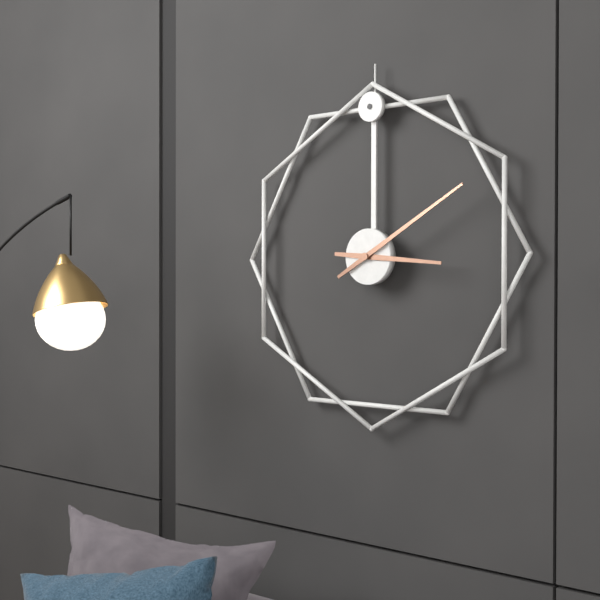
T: 3:10
